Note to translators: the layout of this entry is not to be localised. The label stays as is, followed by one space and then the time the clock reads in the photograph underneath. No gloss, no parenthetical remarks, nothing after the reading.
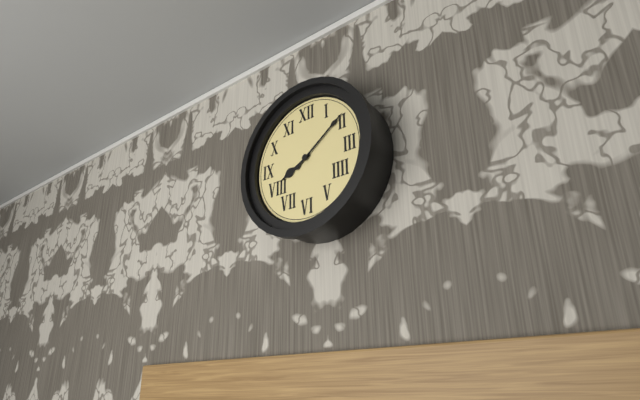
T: 8:09
